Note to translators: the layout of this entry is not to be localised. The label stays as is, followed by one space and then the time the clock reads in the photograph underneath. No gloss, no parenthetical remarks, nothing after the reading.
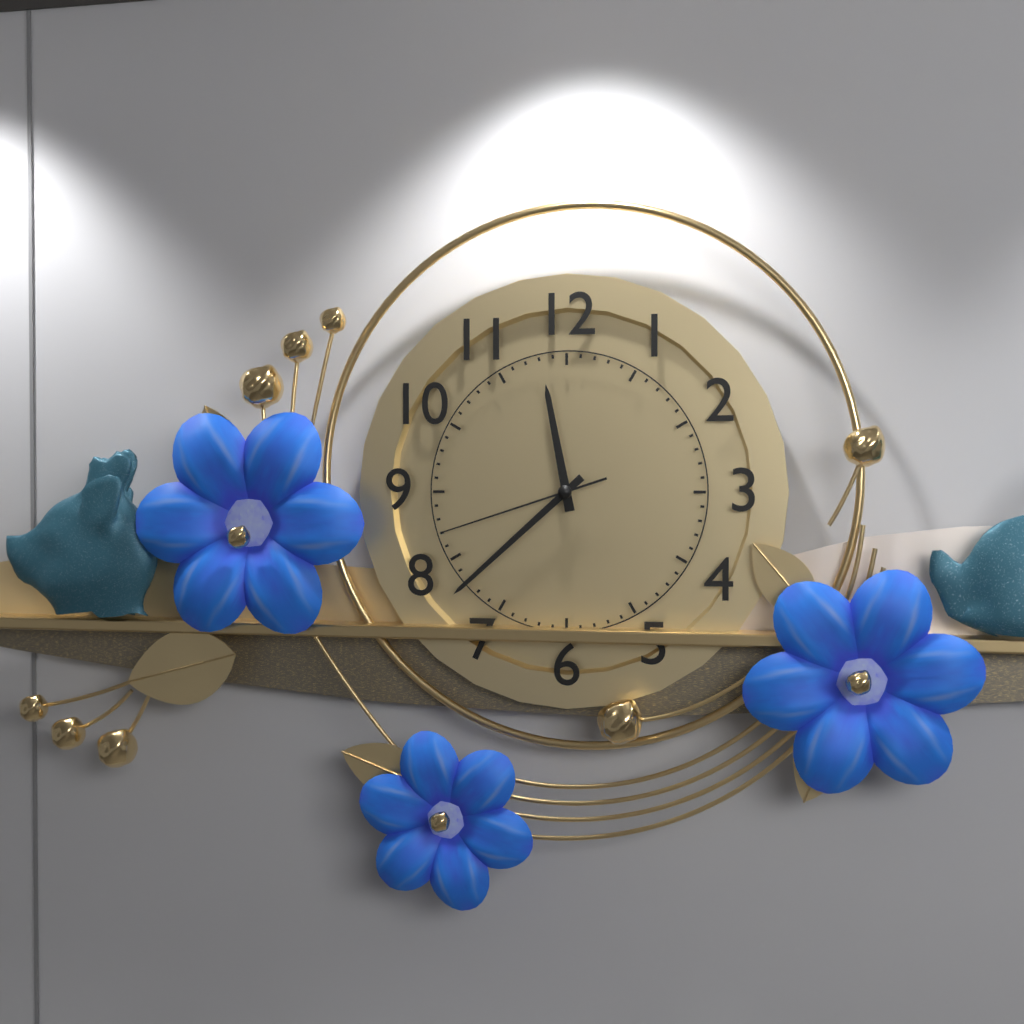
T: 11:38:42
